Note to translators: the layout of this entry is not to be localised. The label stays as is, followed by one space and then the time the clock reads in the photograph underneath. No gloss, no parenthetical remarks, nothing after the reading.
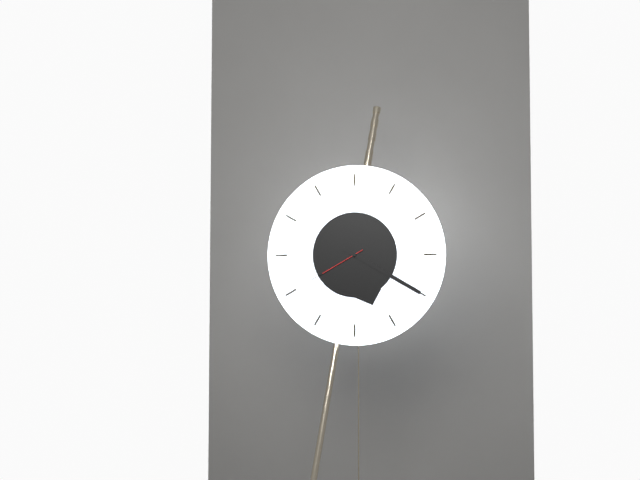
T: 5:20:40
